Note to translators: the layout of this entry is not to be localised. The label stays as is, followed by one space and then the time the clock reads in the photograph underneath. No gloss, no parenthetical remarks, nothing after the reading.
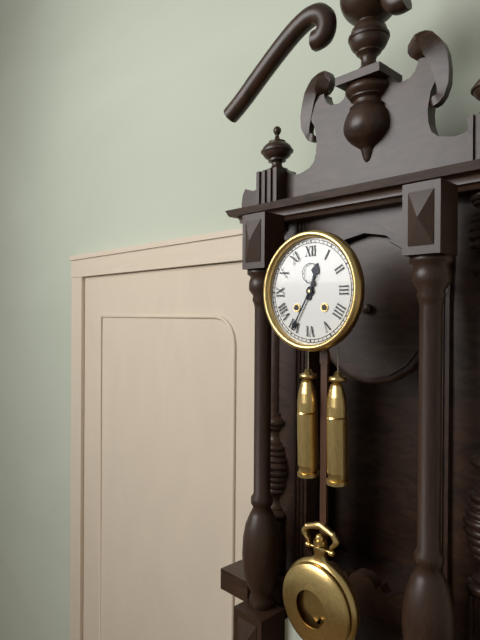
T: 12:35
